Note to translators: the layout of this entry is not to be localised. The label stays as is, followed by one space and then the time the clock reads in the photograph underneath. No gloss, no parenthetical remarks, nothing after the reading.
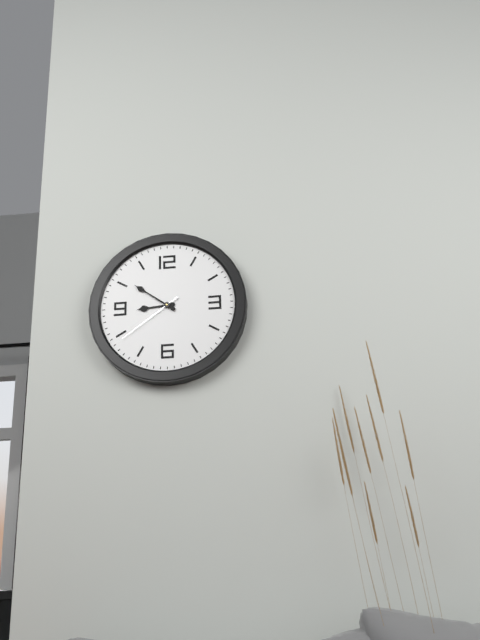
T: 8:51:39
